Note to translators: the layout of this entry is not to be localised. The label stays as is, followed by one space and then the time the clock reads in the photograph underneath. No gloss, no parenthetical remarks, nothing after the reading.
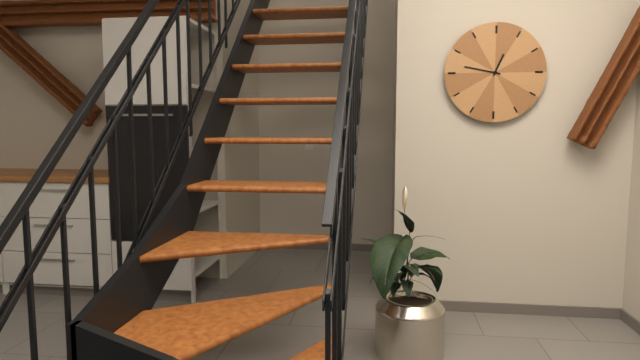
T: 12:47
